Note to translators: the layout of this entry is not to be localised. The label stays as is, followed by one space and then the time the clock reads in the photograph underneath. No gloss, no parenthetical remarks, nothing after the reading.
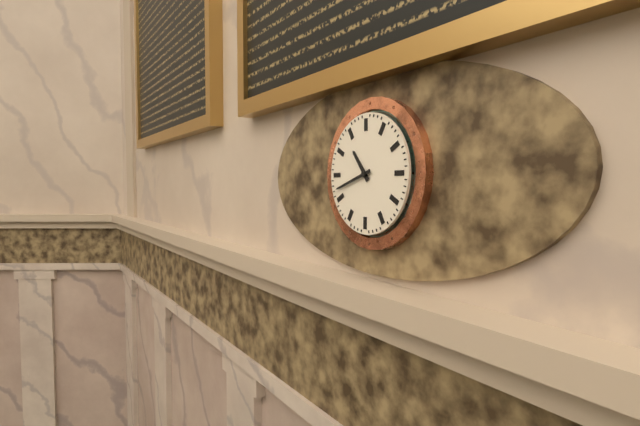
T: 10:42
